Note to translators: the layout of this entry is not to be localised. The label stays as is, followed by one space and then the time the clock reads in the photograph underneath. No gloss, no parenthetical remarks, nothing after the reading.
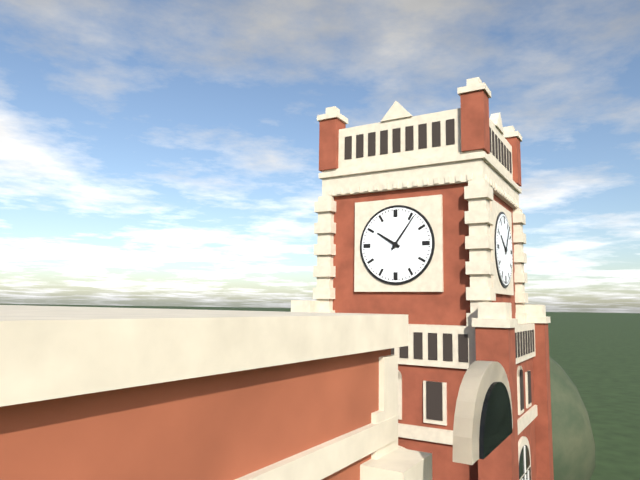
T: 10:06
